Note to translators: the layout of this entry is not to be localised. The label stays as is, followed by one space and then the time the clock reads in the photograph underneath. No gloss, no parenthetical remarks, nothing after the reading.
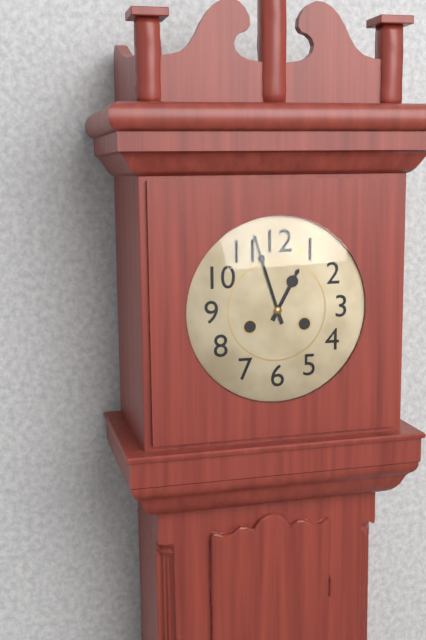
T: 12:57
